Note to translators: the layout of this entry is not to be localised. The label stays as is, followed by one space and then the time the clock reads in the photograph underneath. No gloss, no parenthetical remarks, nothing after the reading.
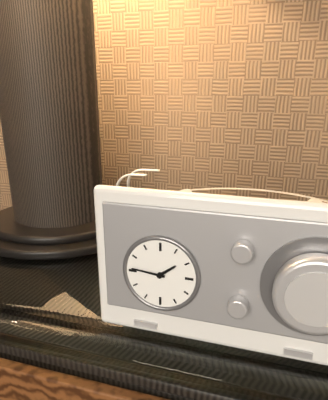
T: 1:46
